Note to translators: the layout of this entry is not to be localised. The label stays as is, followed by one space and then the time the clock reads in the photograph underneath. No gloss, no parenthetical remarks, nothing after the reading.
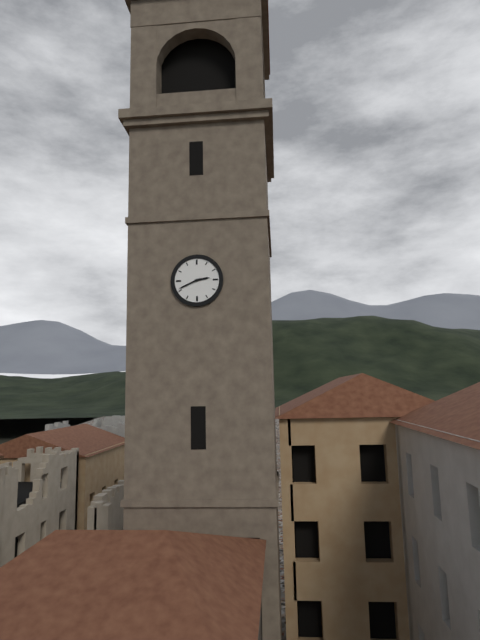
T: 2:41
